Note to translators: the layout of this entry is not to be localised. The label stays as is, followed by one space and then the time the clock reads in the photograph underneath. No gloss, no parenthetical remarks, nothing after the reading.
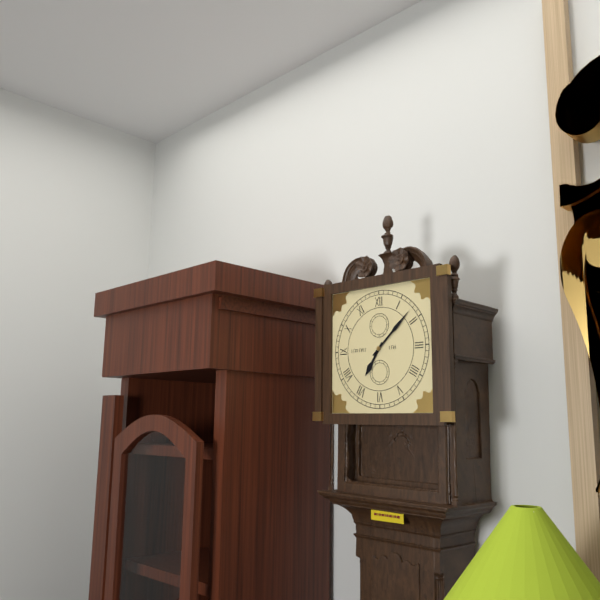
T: 7:08
